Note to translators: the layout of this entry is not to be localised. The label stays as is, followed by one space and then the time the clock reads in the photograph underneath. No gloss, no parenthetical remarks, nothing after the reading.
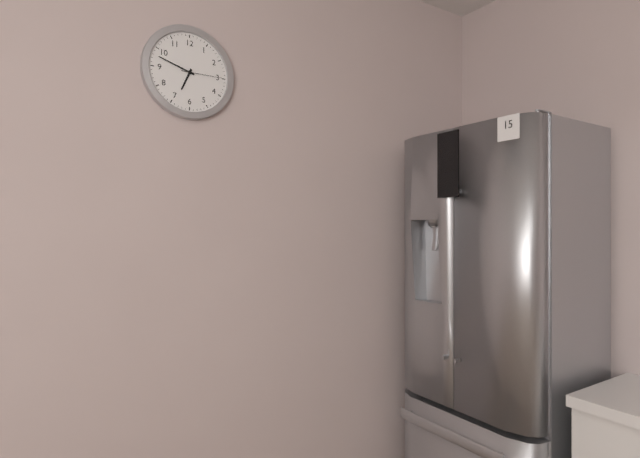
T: 6:48
